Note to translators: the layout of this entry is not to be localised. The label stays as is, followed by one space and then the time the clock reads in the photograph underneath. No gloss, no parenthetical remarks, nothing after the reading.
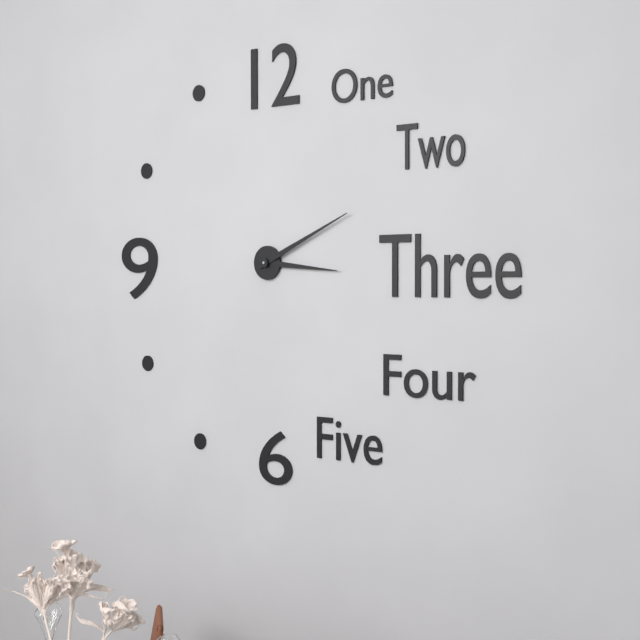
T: 3:11
